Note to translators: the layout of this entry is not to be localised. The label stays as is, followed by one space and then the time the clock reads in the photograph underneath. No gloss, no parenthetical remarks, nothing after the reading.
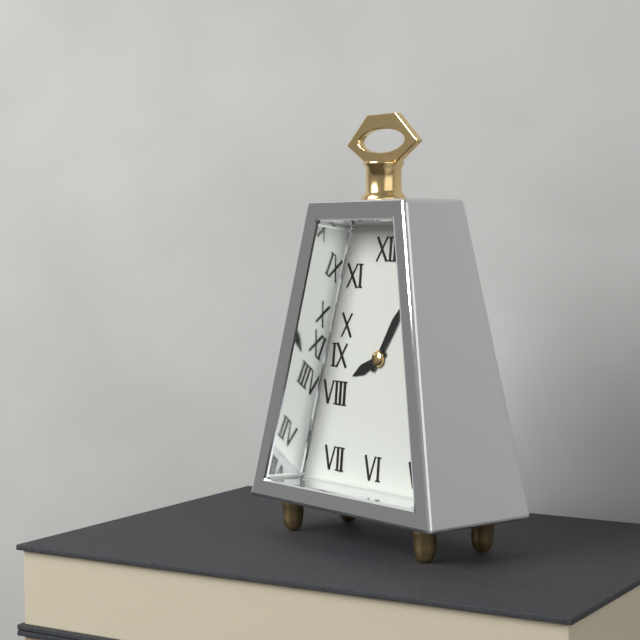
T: 8:05
